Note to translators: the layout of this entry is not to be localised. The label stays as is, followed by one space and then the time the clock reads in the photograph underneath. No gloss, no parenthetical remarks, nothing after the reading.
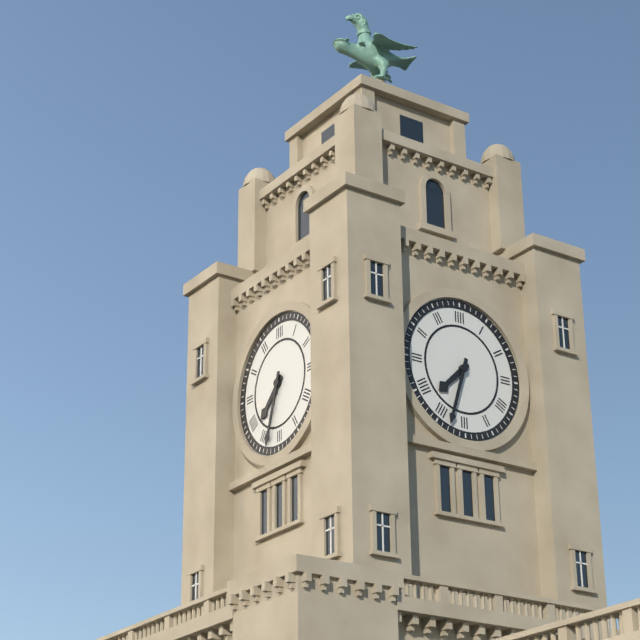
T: 7:33
